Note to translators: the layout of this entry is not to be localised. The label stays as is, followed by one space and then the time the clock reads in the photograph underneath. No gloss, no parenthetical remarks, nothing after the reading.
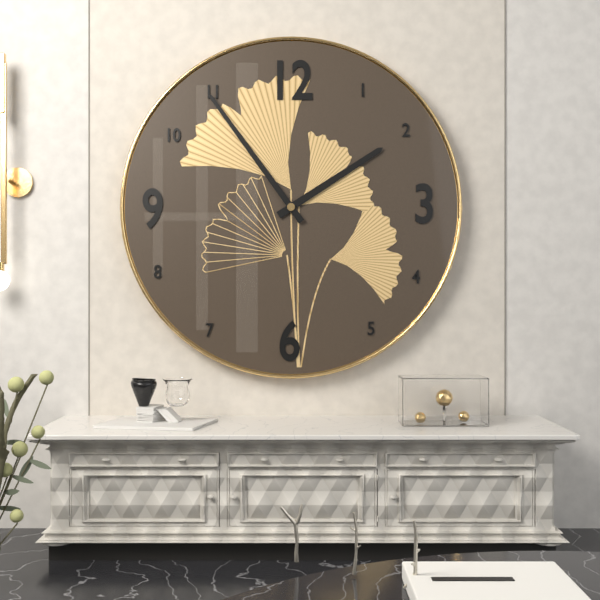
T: 1:54
